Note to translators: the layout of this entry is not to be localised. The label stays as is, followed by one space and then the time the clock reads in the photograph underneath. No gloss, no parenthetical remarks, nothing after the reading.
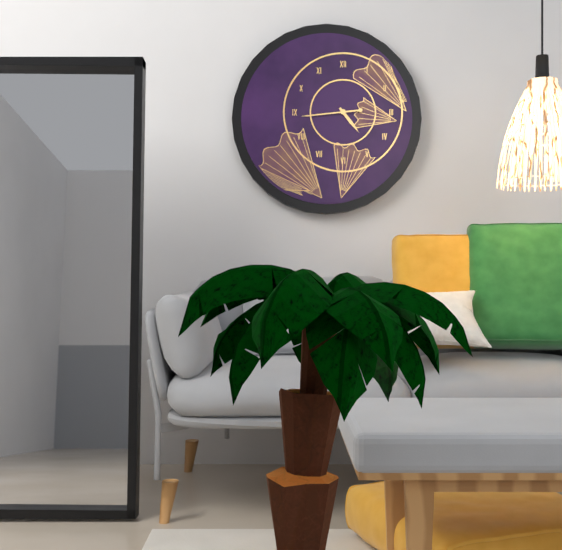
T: 4:44
